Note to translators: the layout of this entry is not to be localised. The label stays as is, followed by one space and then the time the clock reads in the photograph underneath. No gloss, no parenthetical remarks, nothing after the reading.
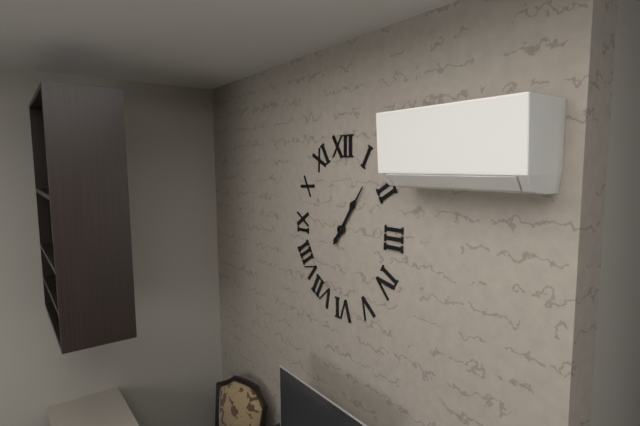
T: 1:06
